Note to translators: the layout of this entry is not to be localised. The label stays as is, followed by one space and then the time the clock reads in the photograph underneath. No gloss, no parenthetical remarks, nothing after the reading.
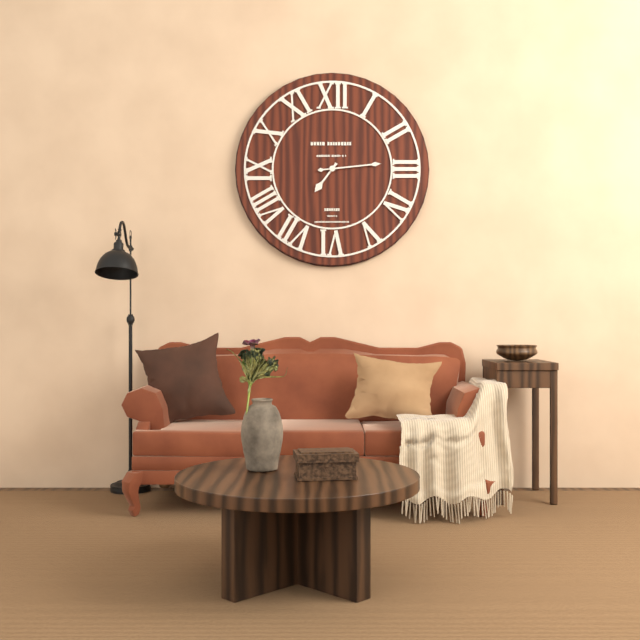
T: 7:14
